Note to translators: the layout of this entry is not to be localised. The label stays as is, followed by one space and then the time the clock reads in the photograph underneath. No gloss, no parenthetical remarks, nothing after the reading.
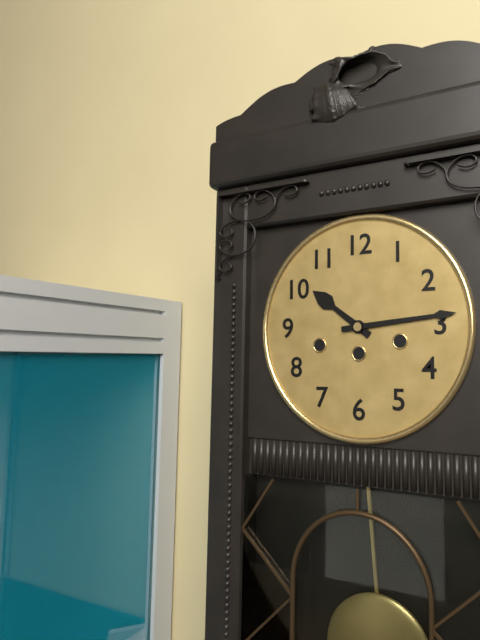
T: 10:14
